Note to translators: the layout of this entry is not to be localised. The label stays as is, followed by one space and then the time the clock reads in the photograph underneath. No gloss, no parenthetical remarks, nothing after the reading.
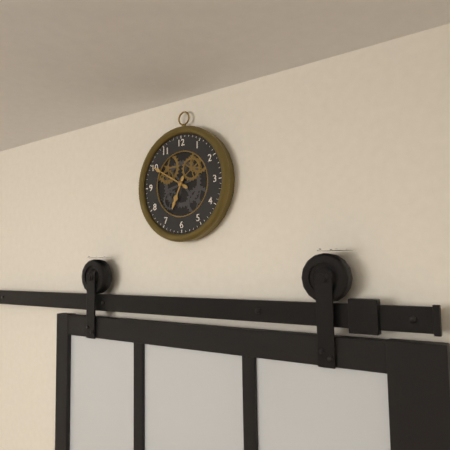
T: 6:50
